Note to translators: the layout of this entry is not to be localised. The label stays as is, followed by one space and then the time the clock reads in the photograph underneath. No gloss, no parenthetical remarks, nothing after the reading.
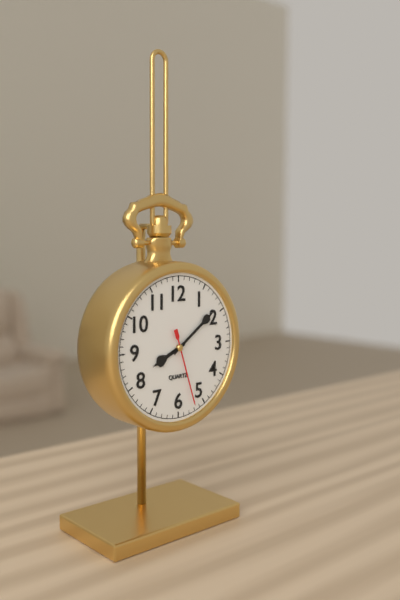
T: 8:09:27
